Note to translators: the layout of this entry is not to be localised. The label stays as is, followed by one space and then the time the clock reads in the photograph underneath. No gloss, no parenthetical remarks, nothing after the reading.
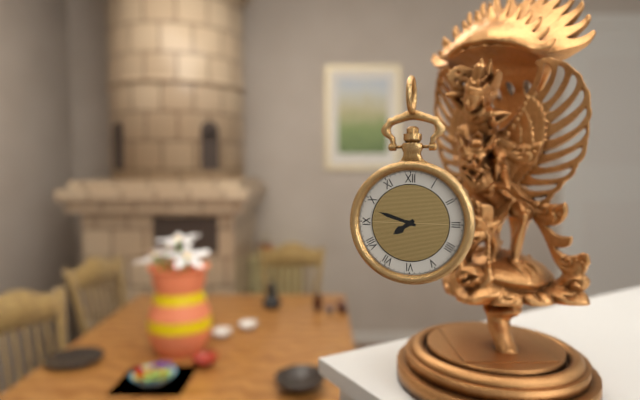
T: 7:48
